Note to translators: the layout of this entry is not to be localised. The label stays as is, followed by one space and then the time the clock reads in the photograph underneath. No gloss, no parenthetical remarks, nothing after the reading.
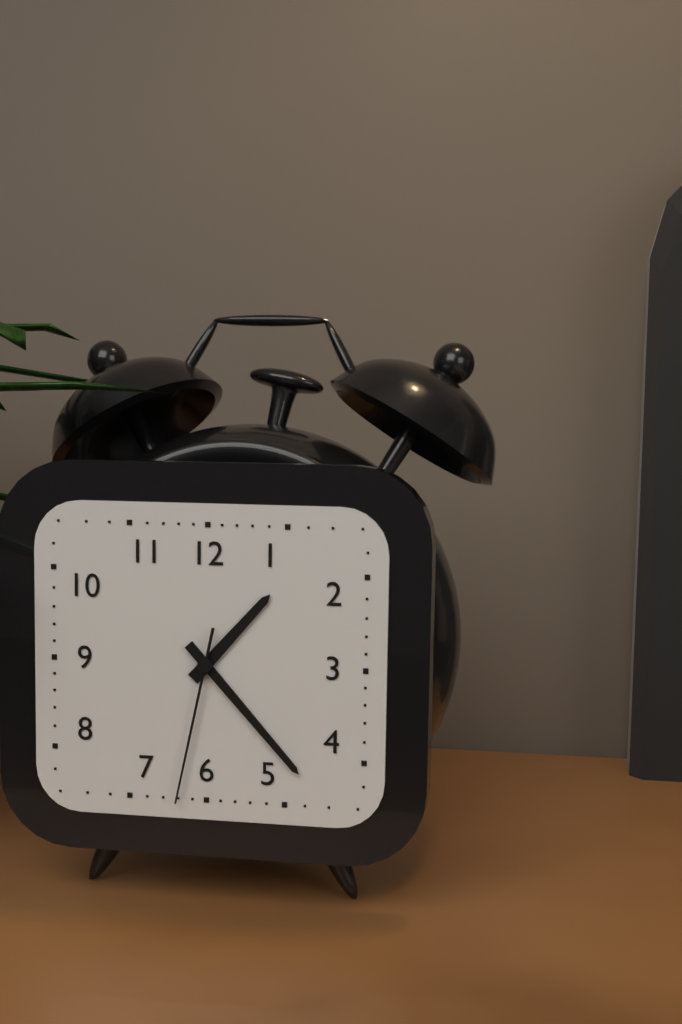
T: 1:23:32
